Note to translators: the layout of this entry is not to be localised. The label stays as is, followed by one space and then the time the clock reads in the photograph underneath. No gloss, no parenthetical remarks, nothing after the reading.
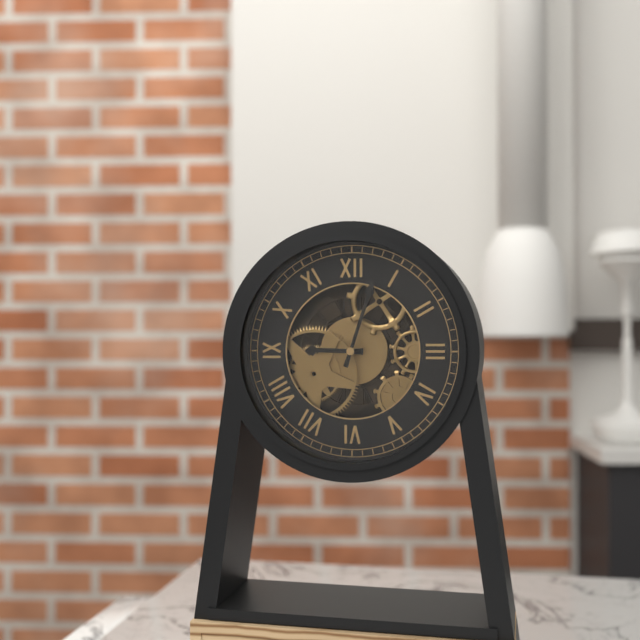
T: 9:03
